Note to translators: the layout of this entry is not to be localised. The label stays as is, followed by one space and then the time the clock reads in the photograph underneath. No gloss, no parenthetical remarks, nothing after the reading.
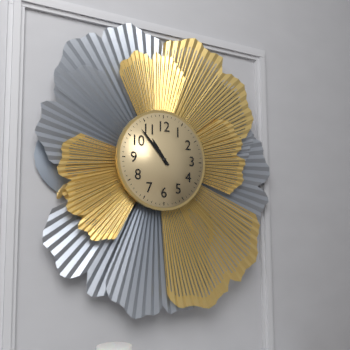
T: 10:53
